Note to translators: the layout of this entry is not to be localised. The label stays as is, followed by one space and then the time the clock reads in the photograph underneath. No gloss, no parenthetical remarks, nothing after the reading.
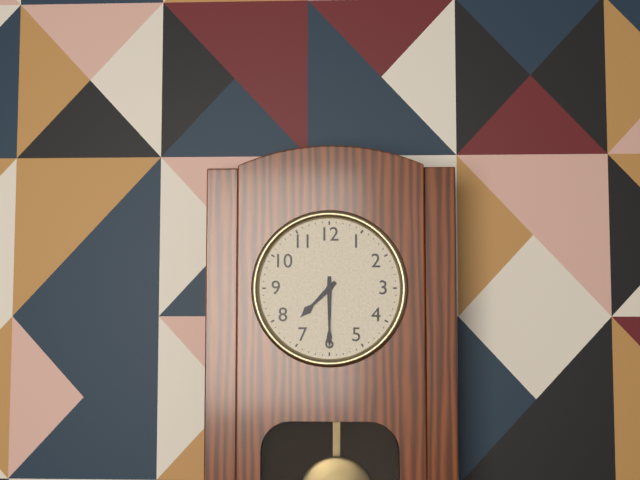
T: 7:30
